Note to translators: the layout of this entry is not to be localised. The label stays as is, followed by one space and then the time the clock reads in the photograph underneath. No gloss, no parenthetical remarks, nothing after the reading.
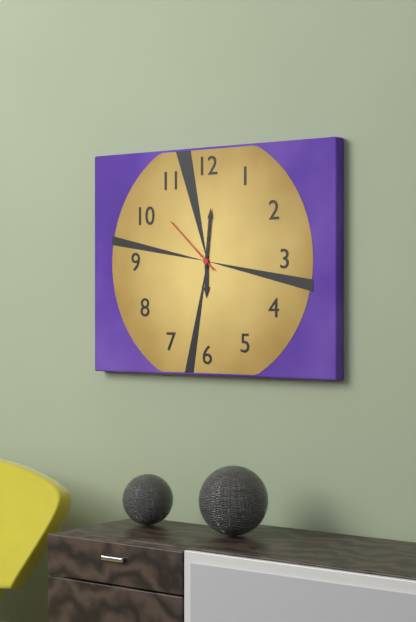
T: 6:01:52
